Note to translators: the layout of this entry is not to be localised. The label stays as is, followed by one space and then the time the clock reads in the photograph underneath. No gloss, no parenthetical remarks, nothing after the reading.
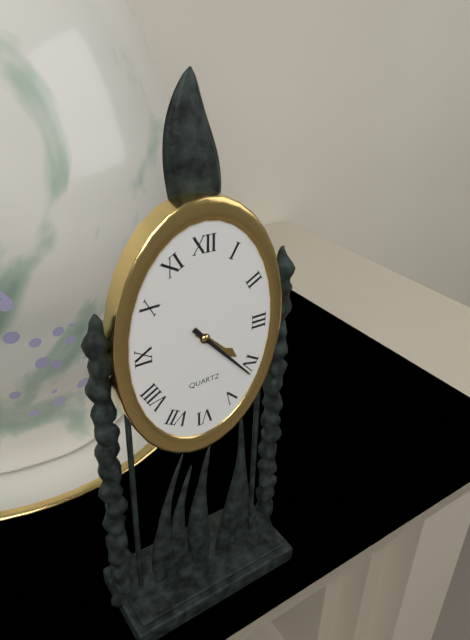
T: 4:23
